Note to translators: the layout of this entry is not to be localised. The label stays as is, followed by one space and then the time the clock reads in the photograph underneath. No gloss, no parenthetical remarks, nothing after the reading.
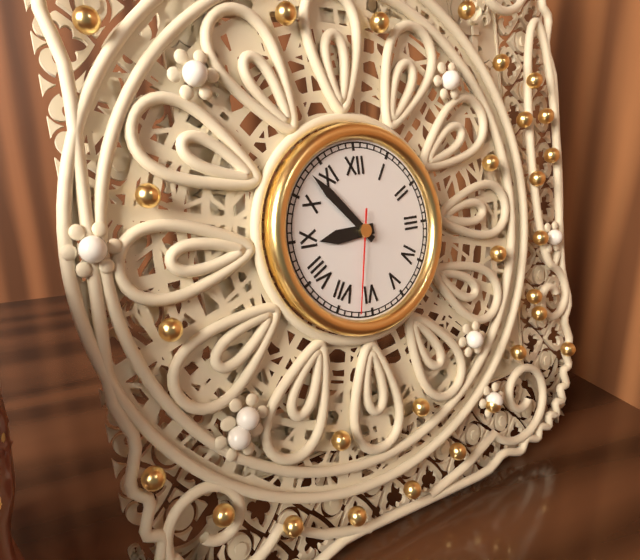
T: 8:53:32
